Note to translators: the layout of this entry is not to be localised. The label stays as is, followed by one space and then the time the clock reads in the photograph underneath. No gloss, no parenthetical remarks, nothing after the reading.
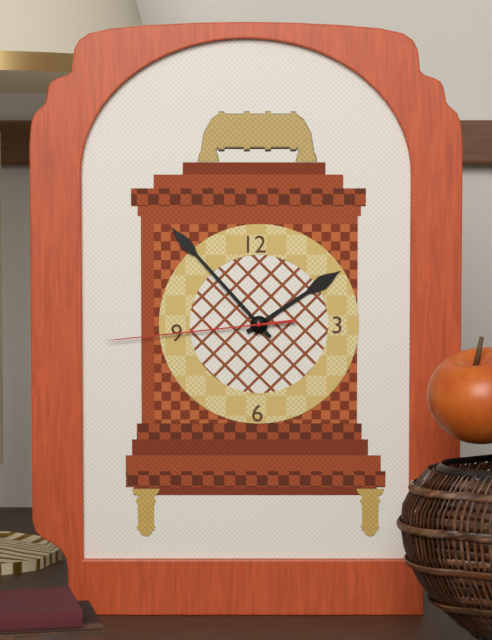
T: 1:53:44
